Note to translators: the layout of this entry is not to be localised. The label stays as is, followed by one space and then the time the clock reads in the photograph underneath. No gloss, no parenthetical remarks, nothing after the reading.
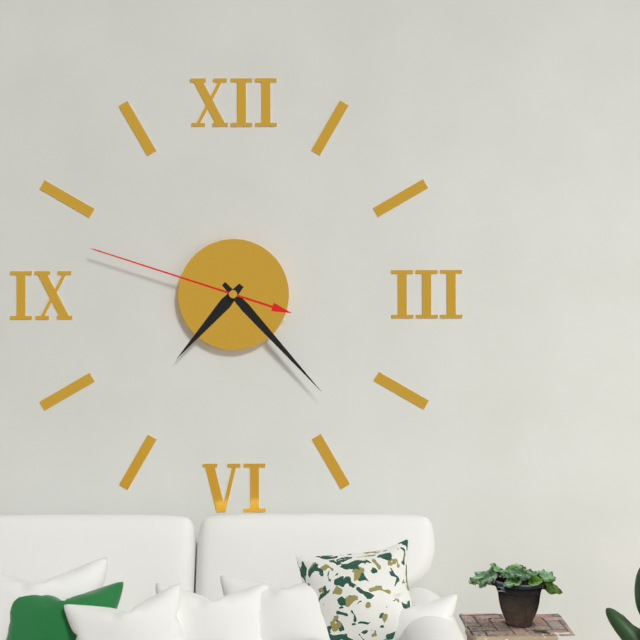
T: 7:23:48
